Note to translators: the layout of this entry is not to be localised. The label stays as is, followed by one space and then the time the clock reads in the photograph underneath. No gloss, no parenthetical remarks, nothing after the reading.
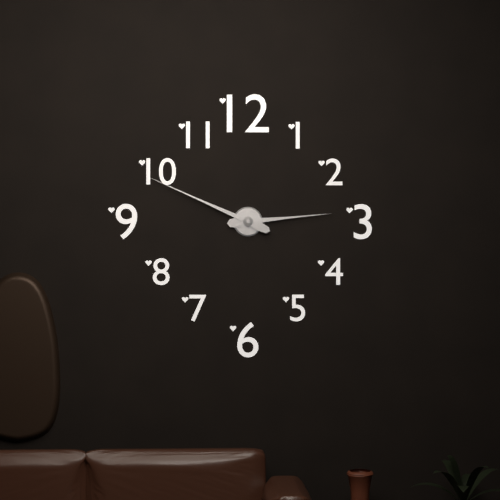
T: 2:49
